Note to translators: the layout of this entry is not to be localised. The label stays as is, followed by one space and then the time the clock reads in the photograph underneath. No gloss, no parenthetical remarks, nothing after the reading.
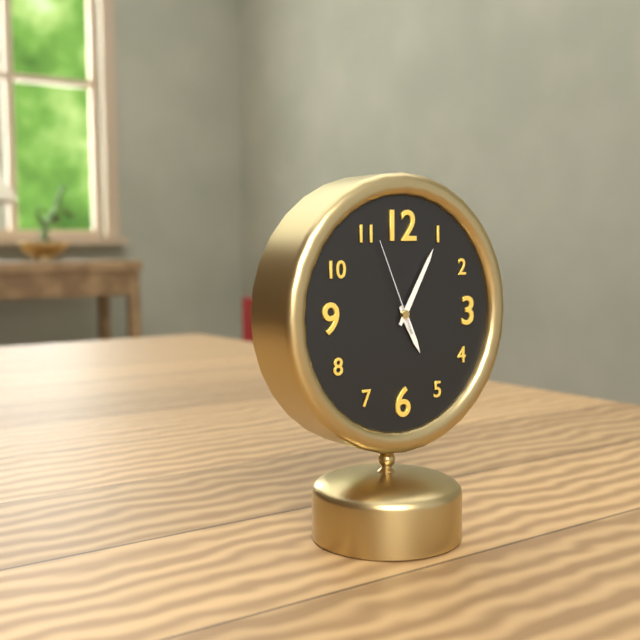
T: 5:05:56
